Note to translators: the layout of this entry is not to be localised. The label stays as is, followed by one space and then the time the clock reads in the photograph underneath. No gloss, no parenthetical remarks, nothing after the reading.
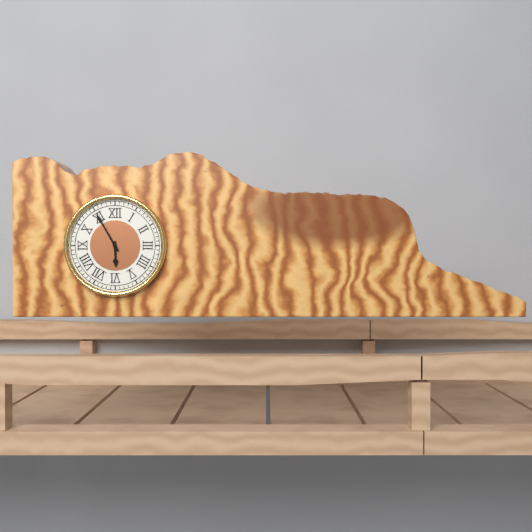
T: 5:55
